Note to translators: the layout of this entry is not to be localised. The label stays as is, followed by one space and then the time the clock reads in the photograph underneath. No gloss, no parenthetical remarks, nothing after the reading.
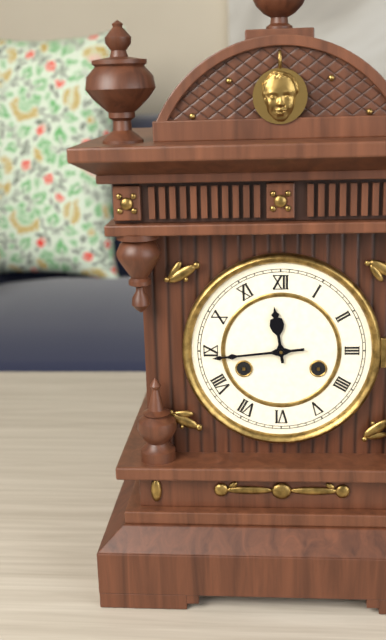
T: 11:44
